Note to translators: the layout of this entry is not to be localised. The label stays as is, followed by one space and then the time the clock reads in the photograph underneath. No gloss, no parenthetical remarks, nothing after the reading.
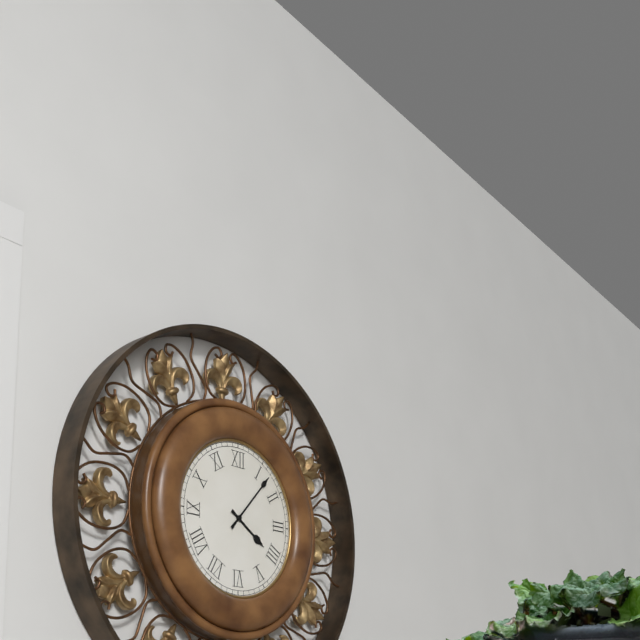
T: 4:07
